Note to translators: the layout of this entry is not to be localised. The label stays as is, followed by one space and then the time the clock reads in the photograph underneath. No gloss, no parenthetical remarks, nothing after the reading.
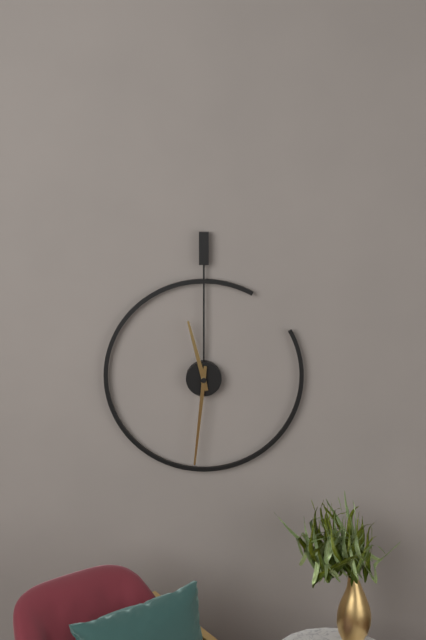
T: 11:31
